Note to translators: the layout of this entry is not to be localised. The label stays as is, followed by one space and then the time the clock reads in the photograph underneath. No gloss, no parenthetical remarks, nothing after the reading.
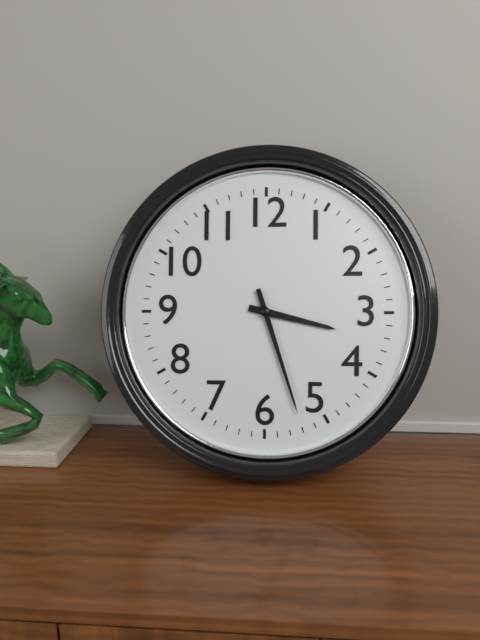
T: 3:27
